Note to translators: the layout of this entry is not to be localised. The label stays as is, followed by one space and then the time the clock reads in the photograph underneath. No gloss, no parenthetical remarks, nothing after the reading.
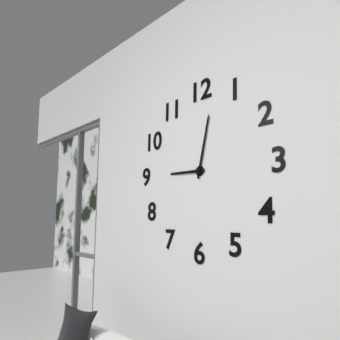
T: 9:02
